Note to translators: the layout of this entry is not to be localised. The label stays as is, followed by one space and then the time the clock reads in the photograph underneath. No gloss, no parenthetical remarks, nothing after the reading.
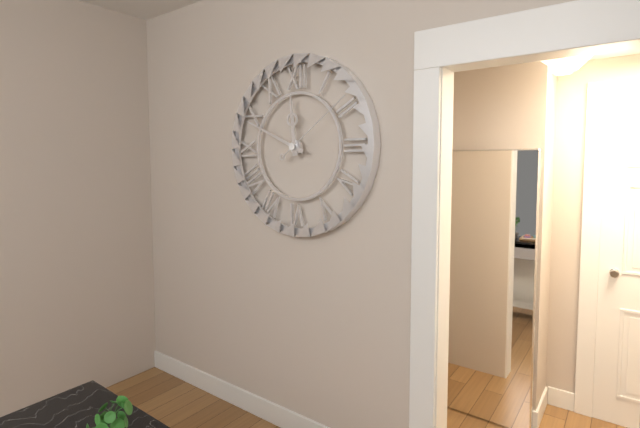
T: 11:49:09
